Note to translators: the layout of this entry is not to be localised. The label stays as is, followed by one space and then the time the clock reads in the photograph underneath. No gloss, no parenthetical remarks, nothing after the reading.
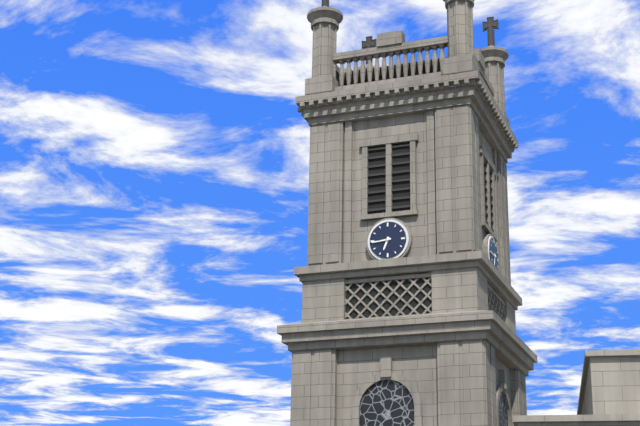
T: 6:44
